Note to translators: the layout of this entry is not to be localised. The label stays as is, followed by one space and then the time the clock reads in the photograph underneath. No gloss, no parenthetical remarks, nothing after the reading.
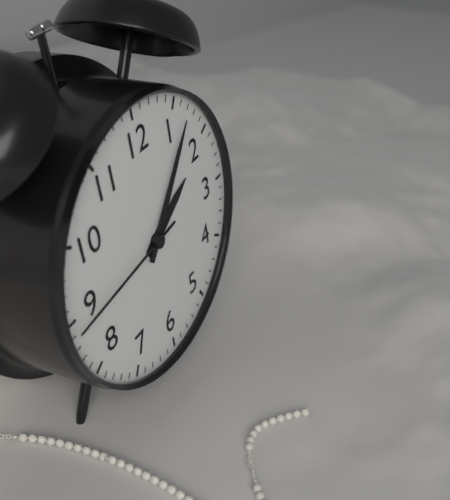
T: 2:07:44
